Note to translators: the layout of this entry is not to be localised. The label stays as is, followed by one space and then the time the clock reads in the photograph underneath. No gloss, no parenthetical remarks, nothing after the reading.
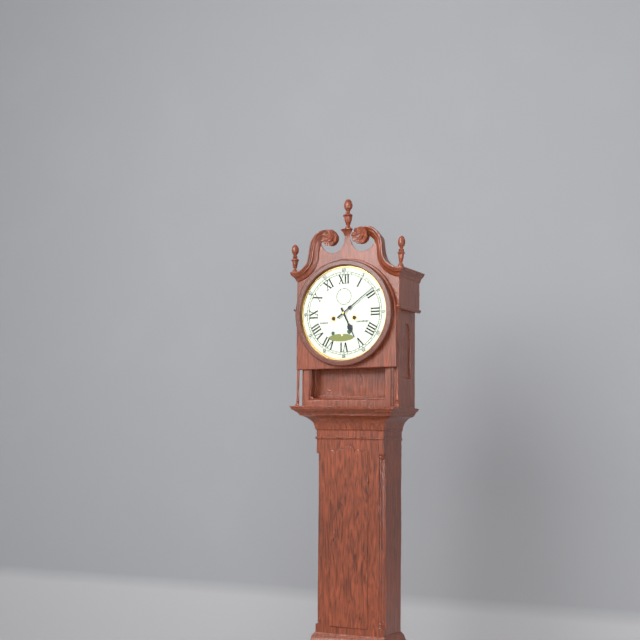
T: 5:09
